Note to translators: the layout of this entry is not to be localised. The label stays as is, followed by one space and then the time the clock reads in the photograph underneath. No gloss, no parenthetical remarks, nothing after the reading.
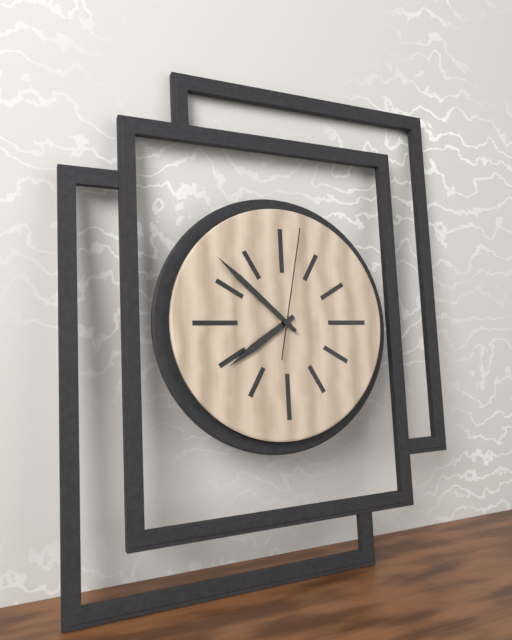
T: 7:52:02
